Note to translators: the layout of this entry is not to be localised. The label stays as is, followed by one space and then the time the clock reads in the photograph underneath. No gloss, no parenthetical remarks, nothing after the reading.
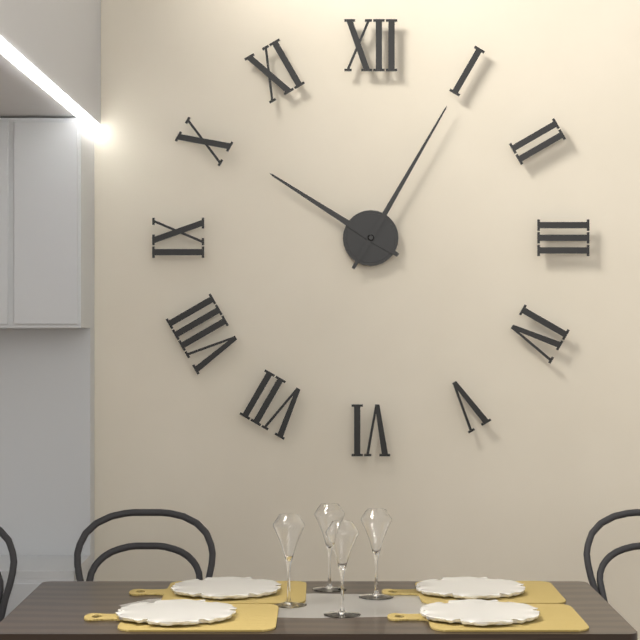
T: 10:05
